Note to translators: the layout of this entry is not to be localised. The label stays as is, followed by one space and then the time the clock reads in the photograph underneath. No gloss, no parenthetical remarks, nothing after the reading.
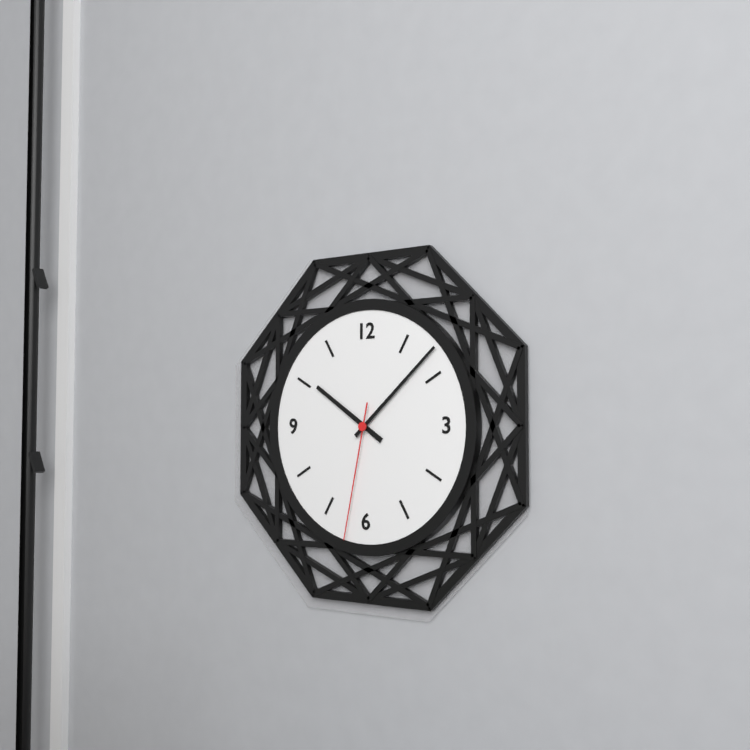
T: 10:08:32
